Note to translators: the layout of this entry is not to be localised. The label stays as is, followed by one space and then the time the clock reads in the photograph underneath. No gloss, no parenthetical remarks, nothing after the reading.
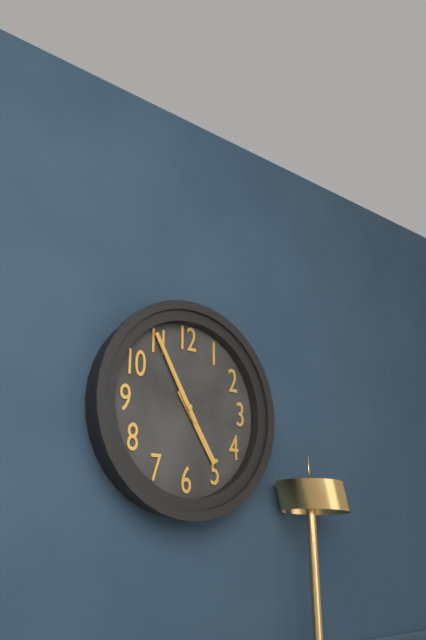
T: 4:55
